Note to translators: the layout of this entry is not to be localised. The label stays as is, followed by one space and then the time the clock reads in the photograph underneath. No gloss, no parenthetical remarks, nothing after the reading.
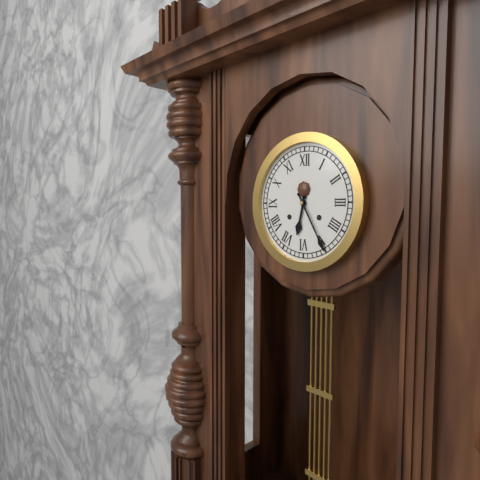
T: 6:25
